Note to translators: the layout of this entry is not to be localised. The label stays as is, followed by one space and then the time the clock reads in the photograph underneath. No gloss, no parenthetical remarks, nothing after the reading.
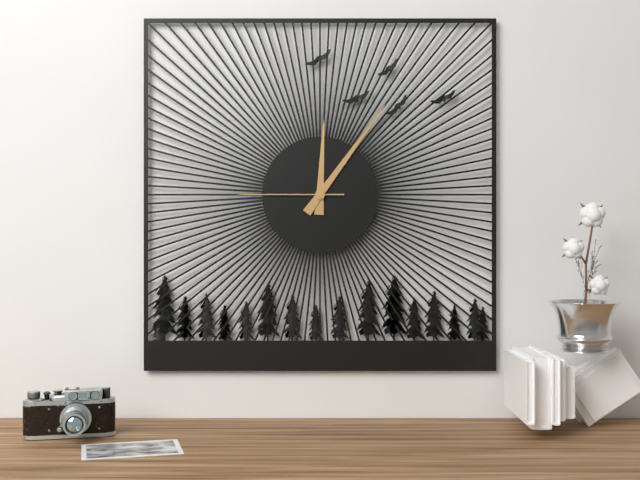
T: 12:06:45
